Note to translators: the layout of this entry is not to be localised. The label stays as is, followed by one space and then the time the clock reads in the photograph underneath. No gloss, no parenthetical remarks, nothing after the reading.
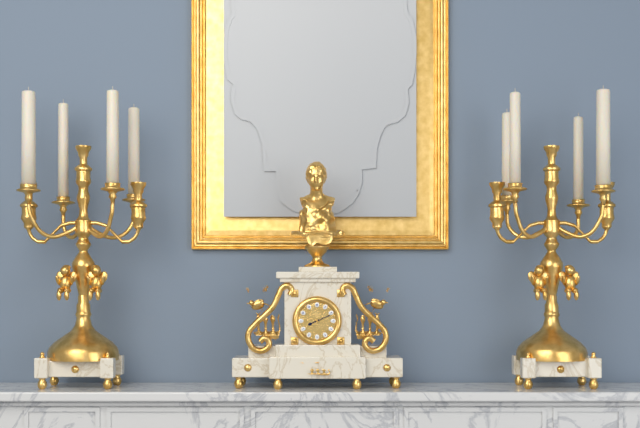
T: 8:11
